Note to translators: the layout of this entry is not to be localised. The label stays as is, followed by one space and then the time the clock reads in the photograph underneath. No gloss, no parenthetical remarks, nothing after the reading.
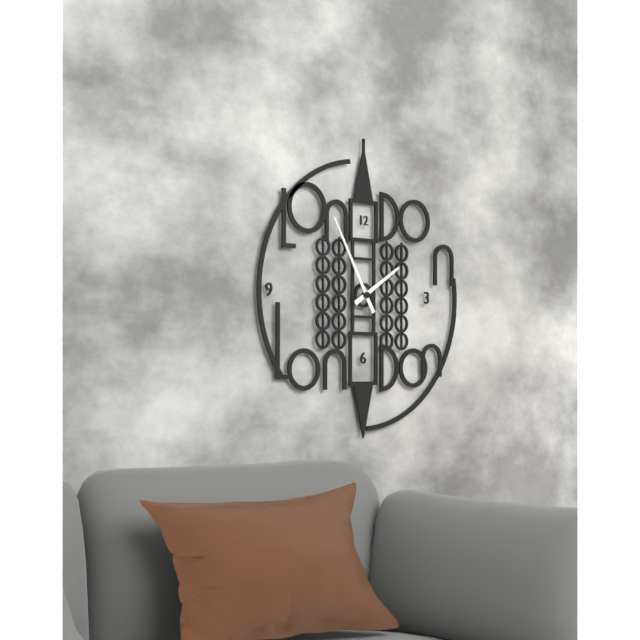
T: 1:55
